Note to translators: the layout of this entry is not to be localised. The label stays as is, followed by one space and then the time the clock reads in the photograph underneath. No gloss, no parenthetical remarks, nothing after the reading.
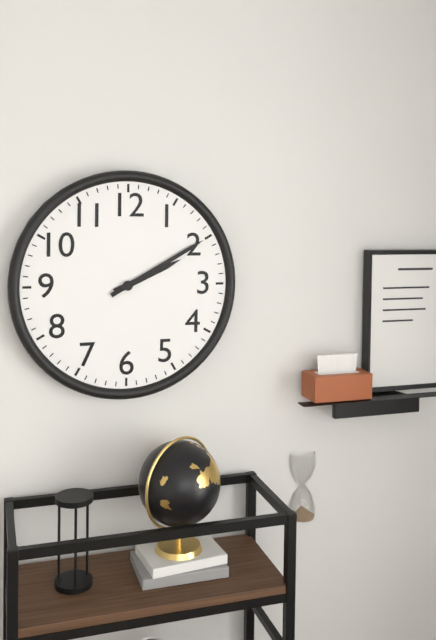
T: 2:10
